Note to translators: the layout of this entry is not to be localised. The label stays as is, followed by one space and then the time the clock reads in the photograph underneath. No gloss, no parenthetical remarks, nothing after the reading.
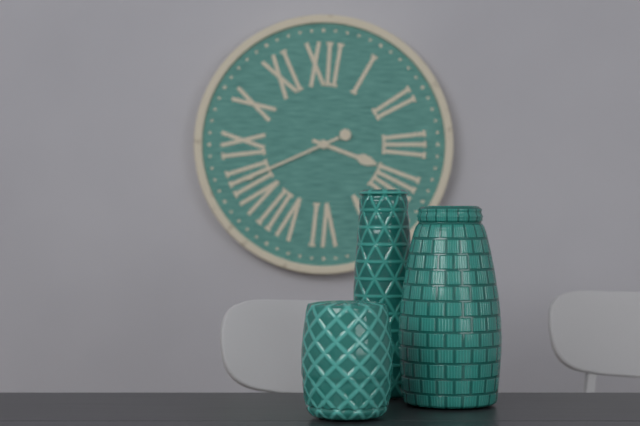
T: 3:41
